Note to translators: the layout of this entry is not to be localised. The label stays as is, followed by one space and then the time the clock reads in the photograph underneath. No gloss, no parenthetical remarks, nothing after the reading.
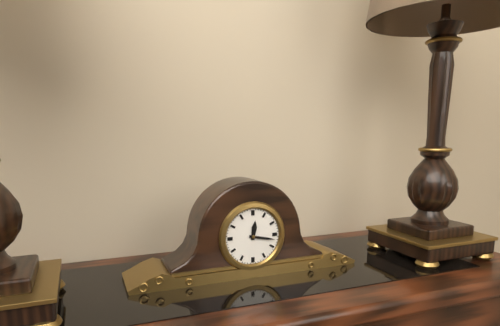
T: 12:17
